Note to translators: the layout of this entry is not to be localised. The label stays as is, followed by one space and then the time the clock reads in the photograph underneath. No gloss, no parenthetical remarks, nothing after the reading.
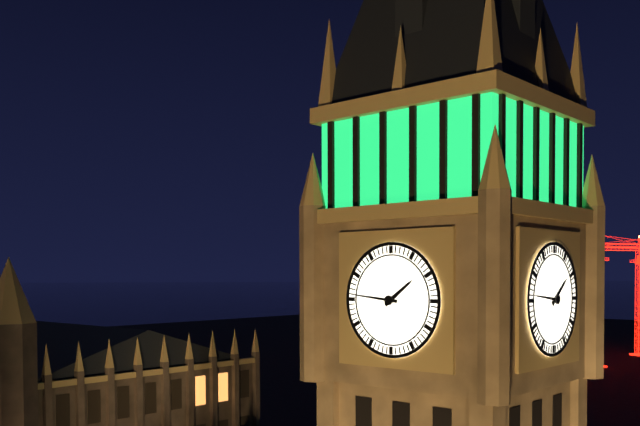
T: 1:46
